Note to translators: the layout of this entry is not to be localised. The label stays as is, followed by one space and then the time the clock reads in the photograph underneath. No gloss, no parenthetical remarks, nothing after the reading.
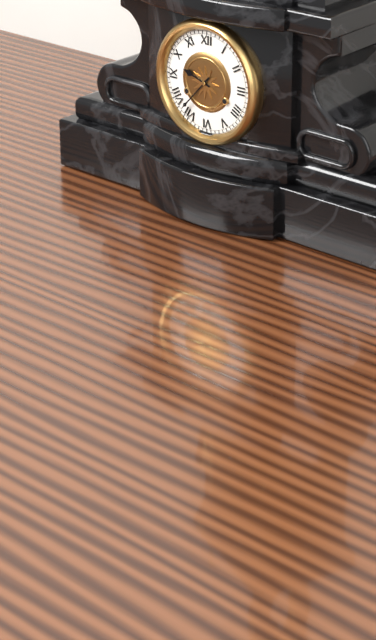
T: 9:37
